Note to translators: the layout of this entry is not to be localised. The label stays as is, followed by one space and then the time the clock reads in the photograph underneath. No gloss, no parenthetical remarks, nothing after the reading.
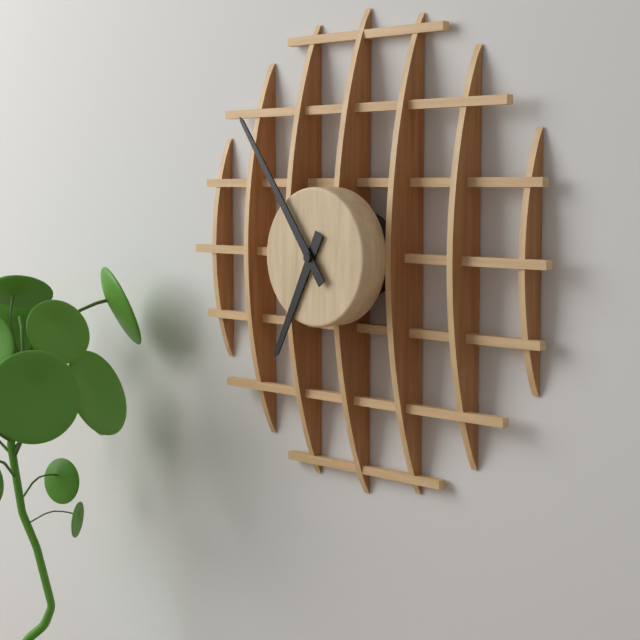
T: 6:54
